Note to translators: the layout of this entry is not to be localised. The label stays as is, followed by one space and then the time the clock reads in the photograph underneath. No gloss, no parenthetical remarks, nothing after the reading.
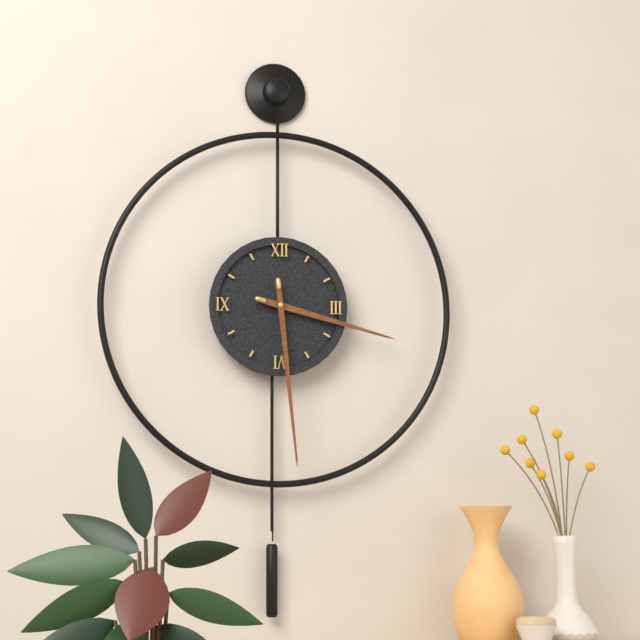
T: 3:29
